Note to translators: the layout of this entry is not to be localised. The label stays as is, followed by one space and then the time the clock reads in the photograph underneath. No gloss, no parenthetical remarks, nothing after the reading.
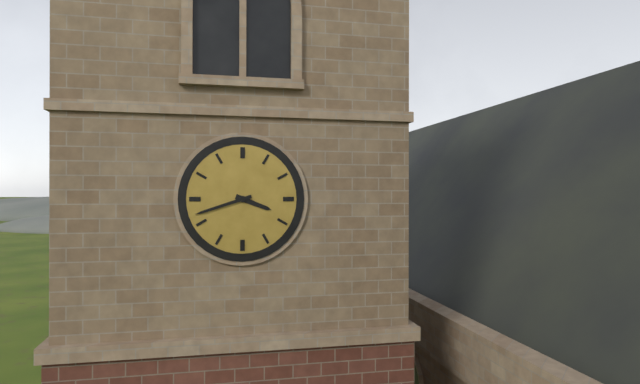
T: 3:42
